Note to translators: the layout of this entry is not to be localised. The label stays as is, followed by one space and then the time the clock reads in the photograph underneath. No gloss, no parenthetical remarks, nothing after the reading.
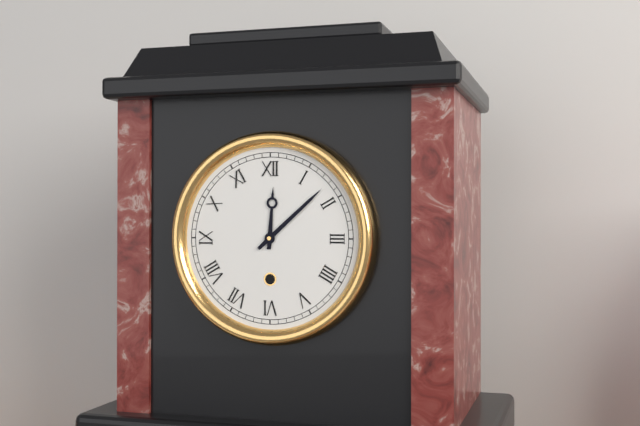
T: 12:08
